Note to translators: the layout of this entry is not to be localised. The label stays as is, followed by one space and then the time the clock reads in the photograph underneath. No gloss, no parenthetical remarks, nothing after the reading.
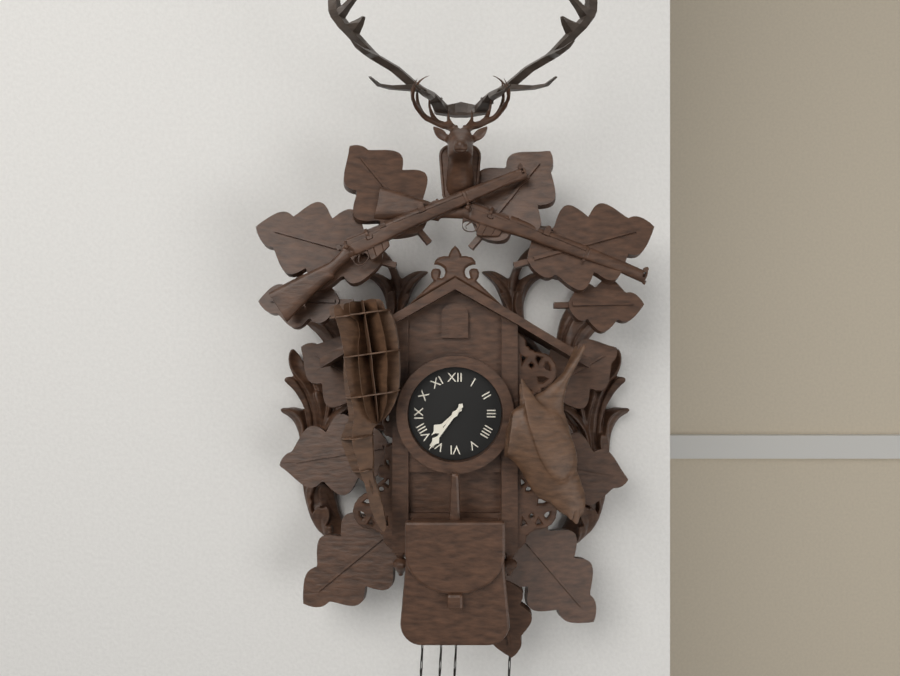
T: 7:36
